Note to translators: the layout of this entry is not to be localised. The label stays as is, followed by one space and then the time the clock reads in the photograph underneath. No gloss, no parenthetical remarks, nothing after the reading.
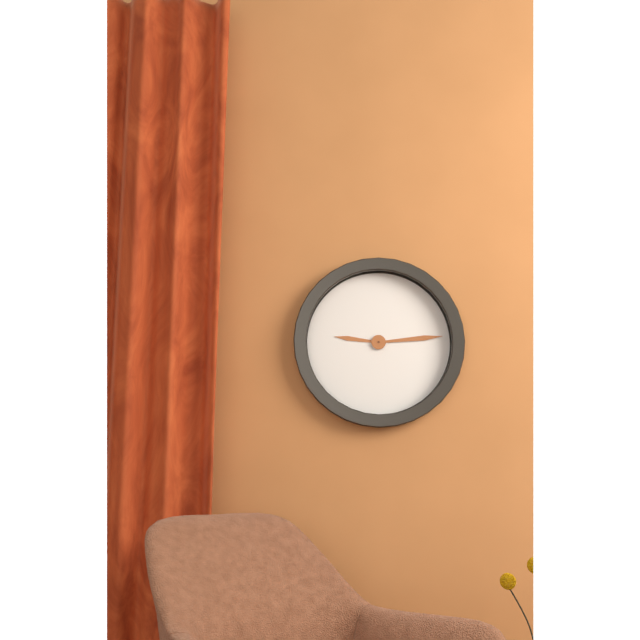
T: 9:14
